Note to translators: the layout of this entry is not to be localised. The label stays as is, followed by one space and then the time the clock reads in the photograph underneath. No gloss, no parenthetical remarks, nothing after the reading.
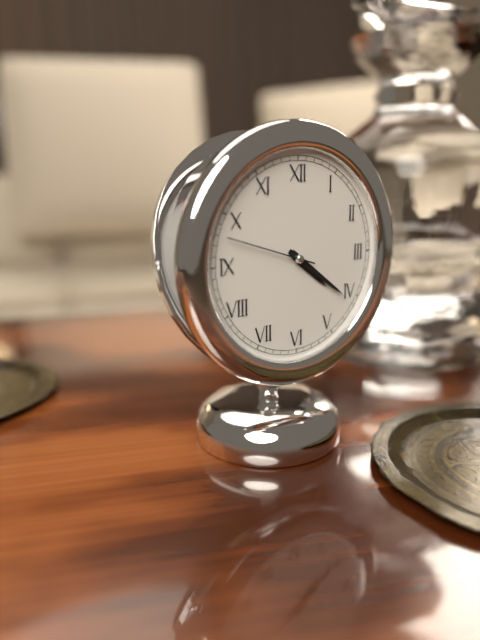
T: 4:21:48
